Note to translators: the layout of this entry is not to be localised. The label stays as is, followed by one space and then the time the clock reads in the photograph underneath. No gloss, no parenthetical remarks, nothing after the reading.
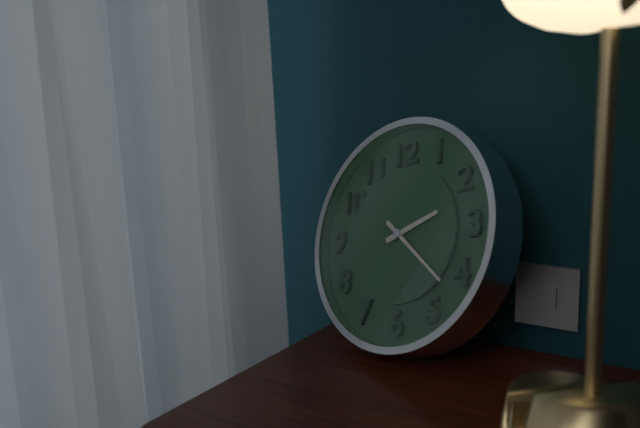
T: 2:22
